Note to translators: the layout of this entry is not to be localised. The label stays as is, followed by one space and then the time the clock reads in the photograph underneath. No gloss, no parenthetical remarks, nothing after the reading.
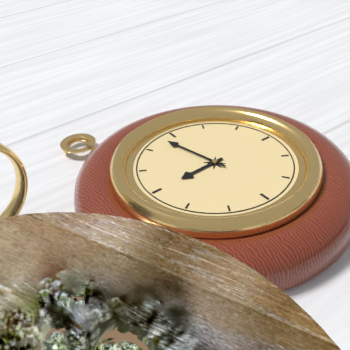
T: 8:58
